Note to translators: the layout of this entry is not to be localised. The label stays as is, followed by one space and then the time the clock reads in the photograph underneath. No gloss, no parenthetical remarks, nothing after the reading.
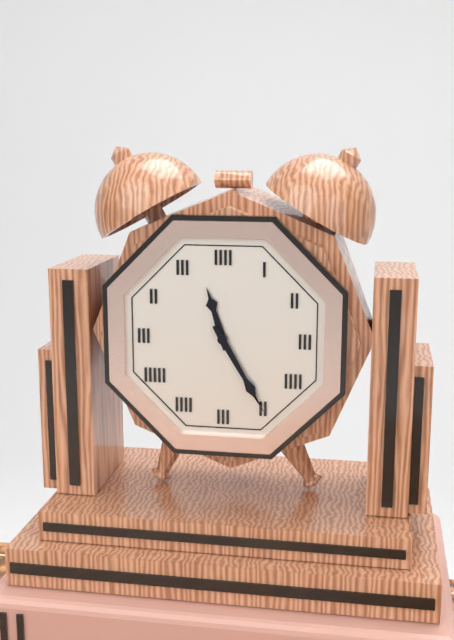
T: 11:25
